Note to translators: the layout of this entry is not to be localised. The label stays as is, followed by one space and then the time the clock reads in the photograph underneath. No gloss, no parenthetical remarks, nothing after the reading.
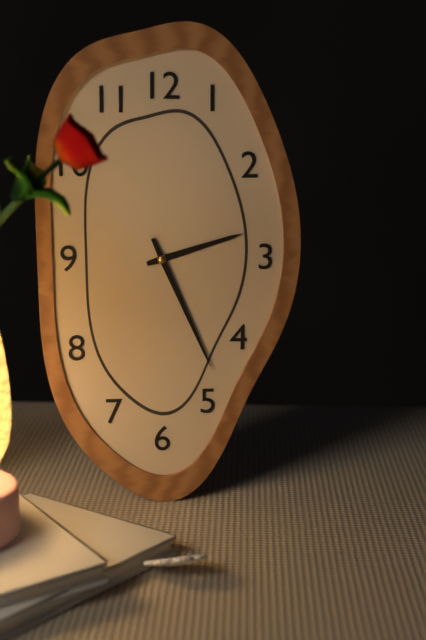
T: 2:26
